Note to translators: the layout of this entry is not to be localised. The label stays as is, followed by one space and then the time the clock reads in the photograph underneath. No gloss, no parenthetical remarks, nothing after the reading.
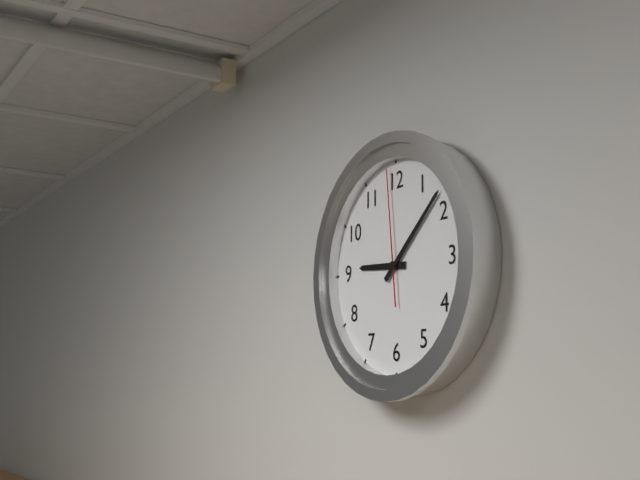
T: 9:08:59
